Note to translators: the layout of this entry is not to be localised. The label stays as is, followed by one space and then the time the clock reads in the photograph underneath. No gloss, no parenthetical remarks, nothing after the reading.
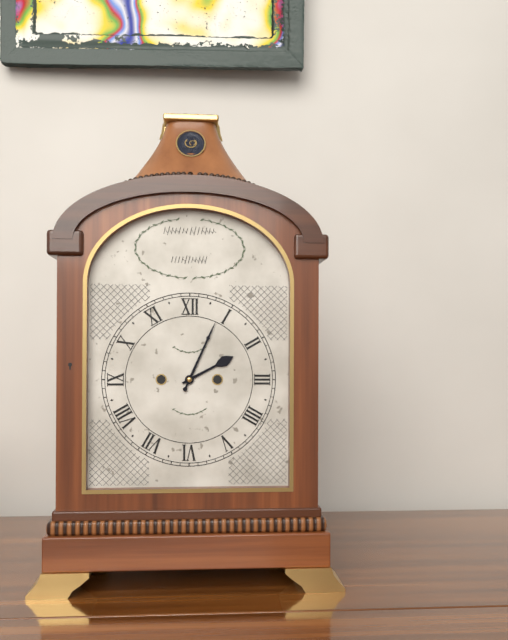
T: 2:04
